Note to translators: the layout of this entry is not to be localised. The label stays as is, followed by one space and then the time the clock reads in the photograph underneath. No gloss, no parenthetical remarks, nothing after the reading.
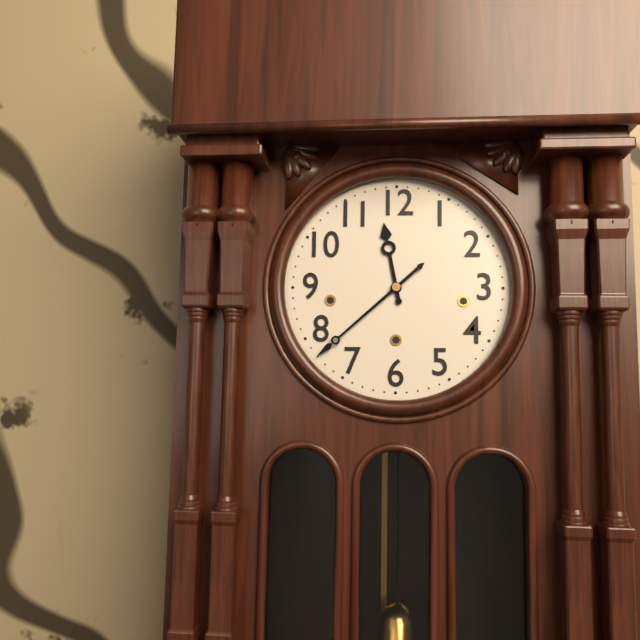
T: 11:38
